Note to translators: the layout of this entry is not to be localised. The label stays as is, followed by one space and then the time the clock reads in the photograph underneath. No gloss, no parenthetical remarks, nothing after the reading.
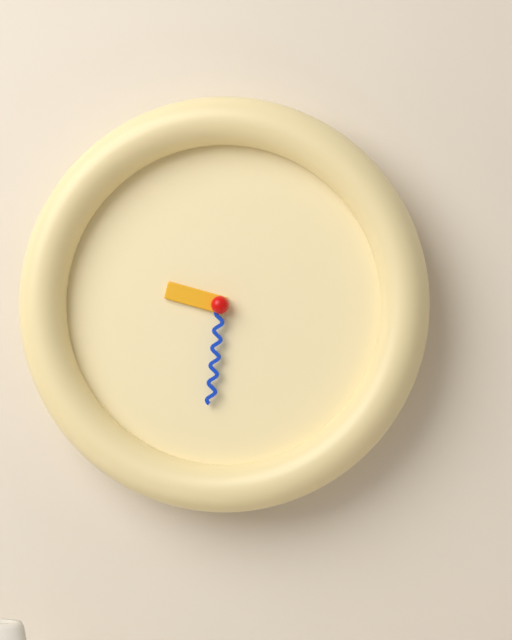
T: 9:31
